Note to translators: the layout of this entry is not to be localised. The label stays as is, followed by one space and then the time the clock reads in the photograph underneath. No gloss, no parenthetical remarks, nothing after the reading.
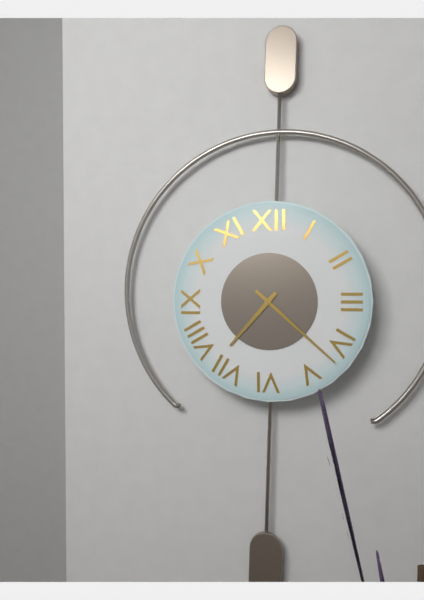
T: 7:22
